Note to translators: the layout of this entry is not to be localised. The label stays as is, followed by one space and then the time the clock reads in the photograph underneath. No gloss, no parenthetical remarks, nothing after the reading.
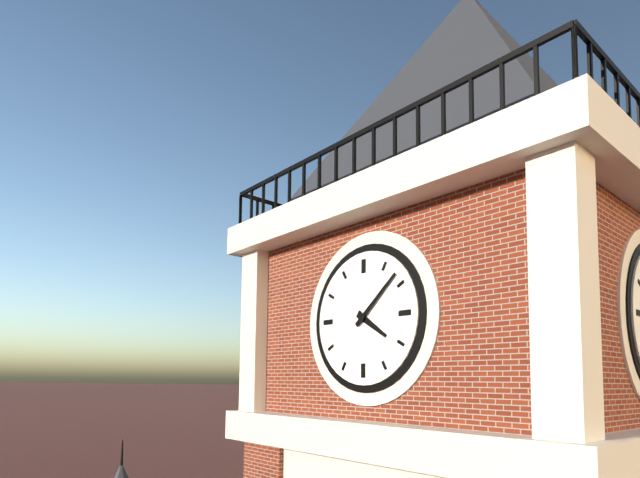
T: 4:08
